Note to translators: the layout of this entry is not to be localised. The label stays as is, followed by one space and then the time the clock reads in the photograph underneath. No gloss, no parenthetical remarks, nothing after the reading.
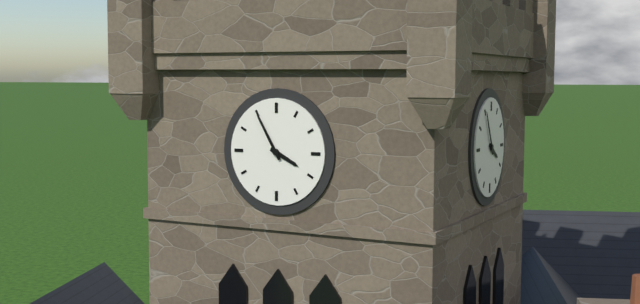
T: 3:55
